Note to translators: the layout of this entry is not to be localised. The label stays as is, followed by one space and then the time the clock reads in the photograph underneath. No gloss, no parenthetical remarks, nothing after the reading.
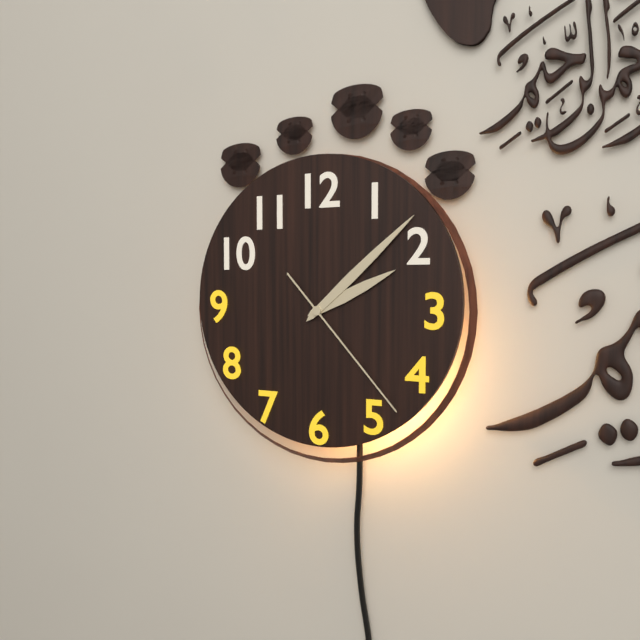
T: 2:08:23
